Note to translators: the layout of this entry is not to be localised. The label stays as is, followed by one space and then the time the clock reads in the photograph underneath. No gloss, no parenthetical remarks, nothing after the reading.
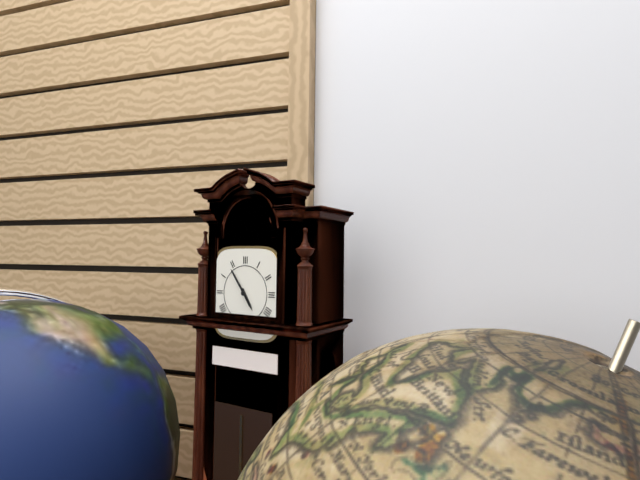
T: 4:54
